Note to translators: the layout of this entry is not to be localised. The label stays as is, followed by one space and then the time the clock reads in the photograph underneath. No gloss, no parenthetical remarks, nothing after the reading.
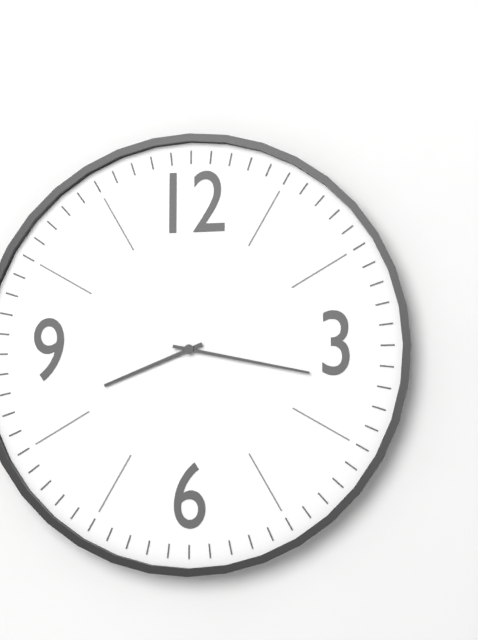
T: 8:17
